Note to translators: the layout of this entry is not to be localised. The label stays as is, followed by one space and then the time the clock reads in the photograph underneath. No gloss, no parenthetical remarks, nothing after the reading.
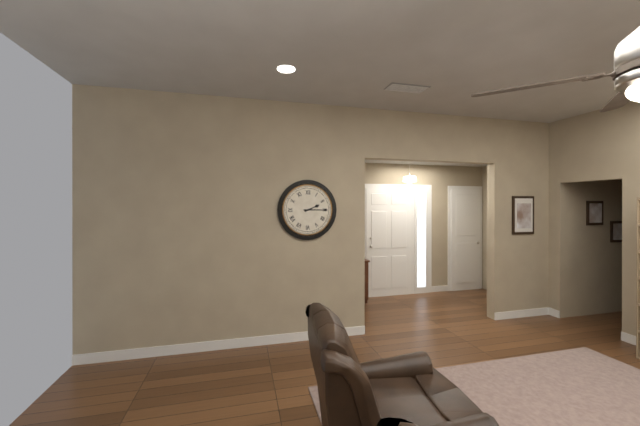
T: 2:15
